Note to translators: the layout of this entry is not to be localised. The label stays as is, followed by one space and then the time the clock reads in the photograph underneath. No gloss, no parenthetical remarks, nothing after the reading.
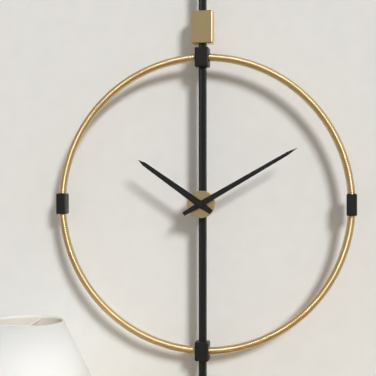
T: 10:10
